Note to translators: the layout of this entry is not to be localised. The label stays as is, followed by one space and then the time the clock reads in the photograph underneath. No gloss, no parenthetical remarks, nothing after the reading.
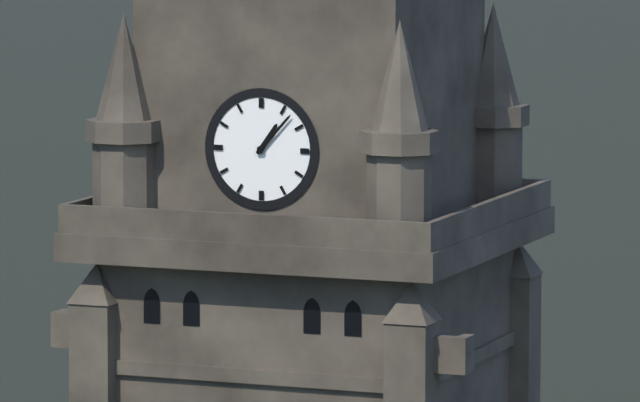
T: 1:07
